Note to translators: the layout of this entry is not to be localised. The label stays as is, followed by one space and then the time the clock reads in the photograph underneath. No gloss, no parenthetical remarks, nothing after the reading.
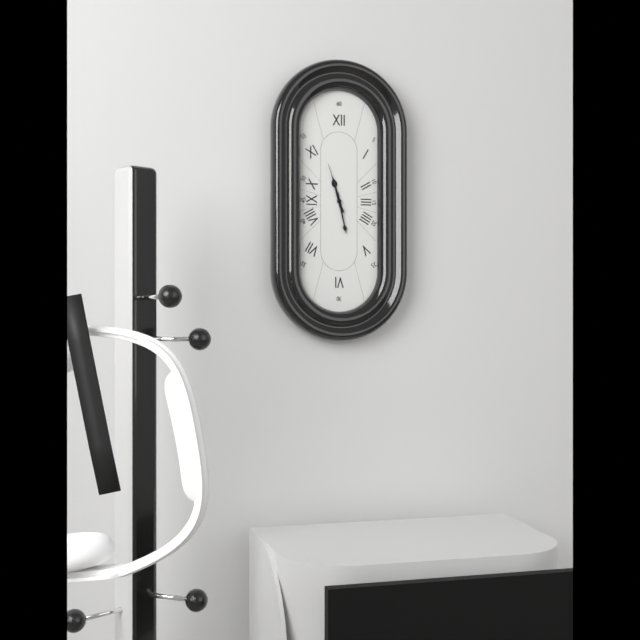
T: 11:28:57
